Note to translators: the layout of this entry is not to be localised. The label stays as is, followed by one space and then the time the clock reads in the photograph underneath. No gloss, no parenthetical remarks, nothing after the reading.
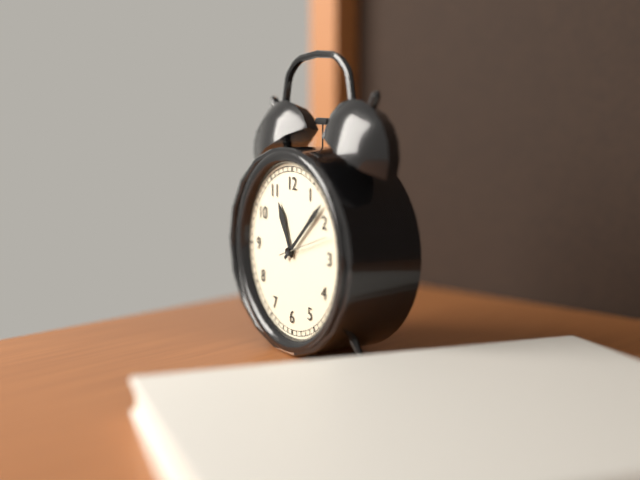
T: 11:08
